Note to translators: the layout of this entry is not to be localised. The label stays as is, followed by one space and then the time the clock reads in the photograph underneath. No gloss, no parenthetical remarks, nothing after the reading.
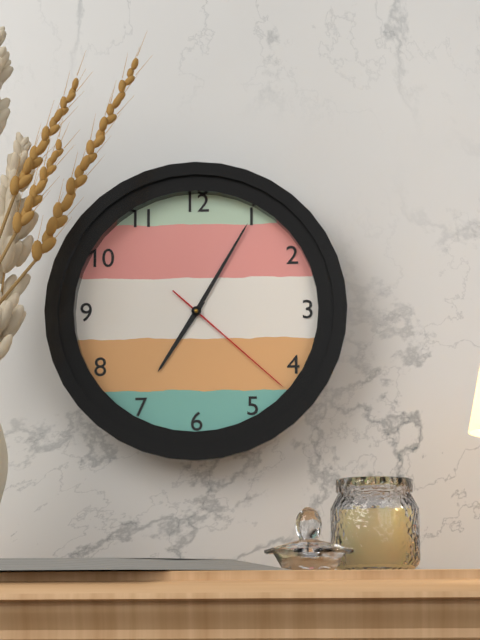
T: 7:05:22
